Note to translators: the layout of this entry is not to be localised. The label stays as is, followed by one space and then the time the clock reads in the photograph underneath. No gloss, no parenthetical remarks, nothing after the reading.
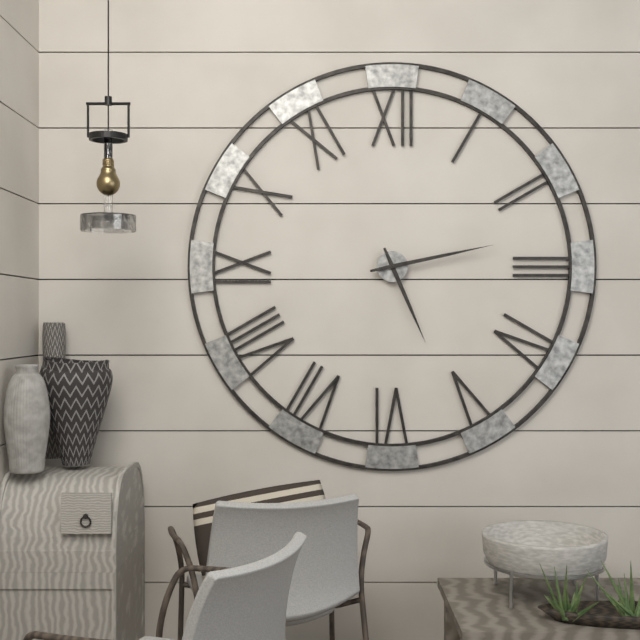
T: 5:13
